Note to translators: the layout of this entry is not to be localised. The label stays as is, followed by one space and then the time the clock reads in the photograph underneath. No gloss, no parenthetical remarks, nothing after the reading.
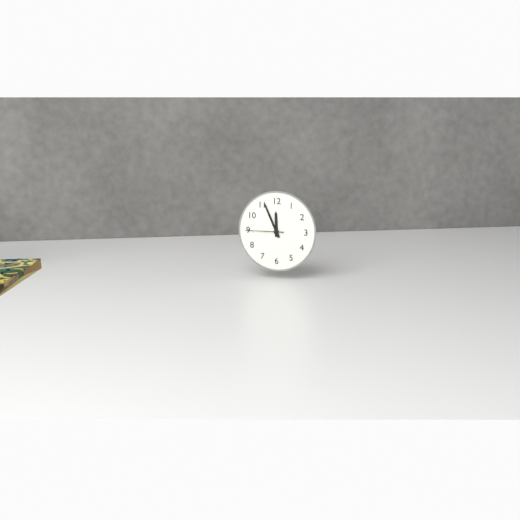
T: 11:56
